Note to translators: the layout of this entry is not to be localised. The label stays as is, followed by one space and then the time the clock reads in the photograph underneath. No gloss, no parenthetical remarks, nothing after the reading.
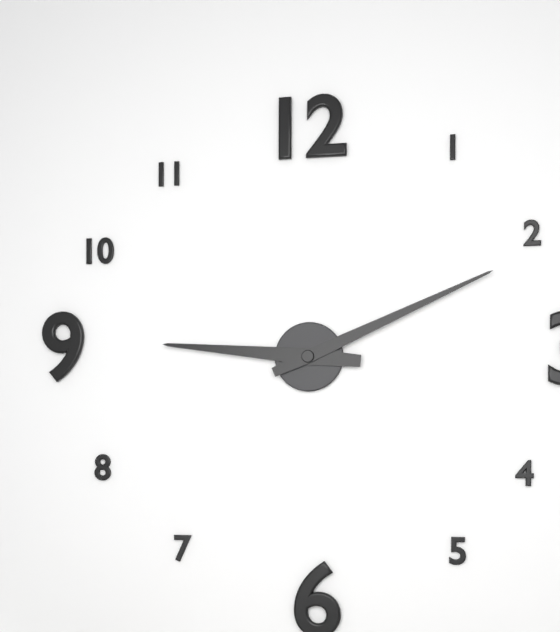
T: 9:11
